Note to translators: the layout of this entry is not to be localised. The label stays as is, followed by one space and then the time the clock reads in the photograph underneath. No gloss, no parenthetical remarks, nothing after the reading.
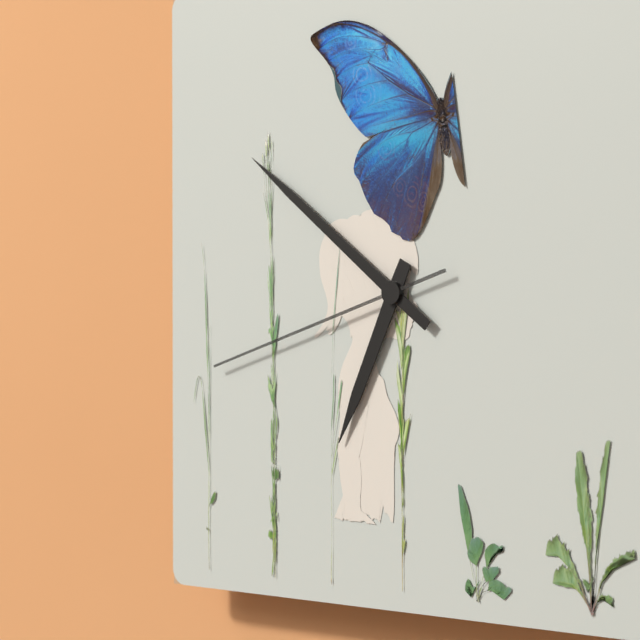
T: 6:51:42
